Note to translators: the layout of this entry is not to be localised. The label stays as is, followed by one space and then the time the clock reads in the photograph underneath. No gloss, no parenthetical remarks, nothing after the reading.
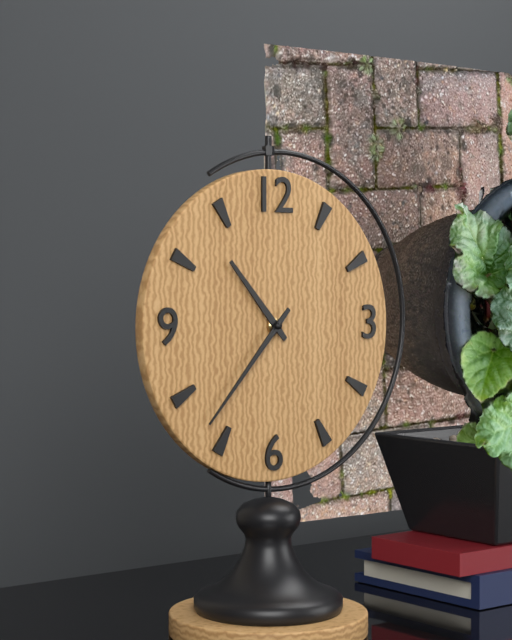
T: 10:37
